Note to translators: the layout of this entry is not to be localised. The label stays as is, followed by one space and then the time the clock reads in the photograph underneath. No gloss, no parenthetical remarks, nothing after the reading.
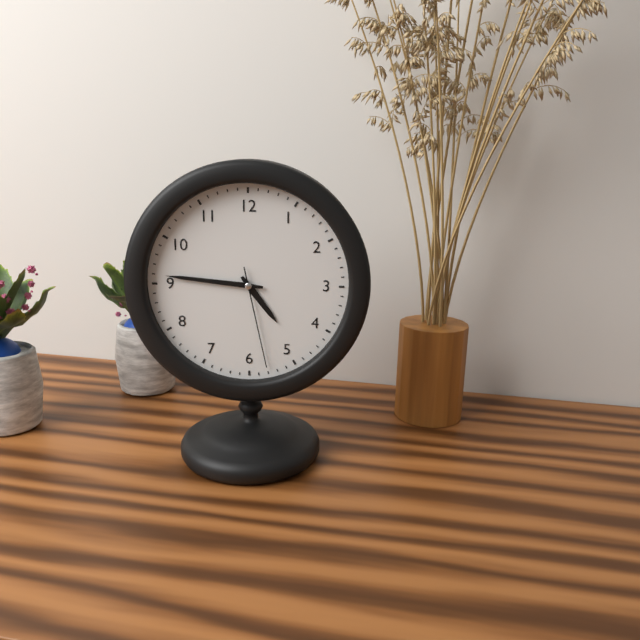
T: 4:46:28
